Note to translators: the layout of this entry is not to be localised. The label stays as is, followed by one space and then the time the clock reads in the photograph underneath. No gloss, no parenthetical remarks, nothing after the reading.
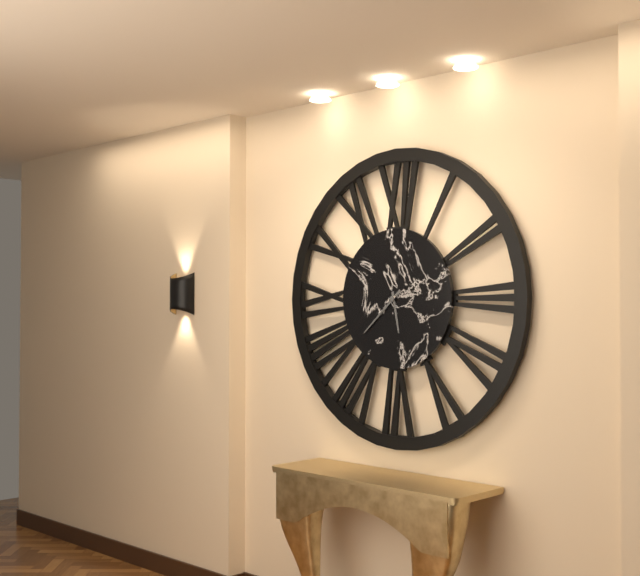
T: 5:38
